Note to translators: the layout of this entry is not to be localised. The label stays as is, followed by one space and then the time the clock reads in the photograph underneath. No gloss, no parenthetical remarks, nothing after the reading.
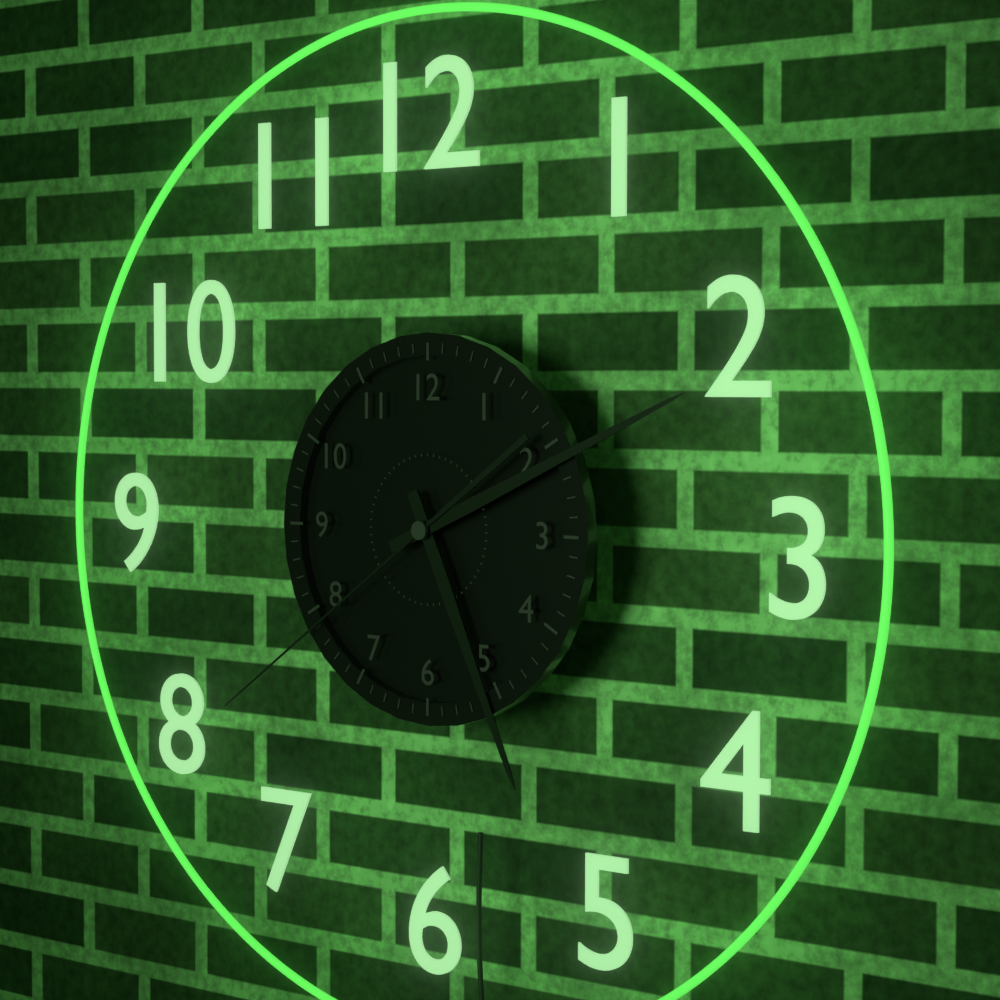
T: 5:11:39
